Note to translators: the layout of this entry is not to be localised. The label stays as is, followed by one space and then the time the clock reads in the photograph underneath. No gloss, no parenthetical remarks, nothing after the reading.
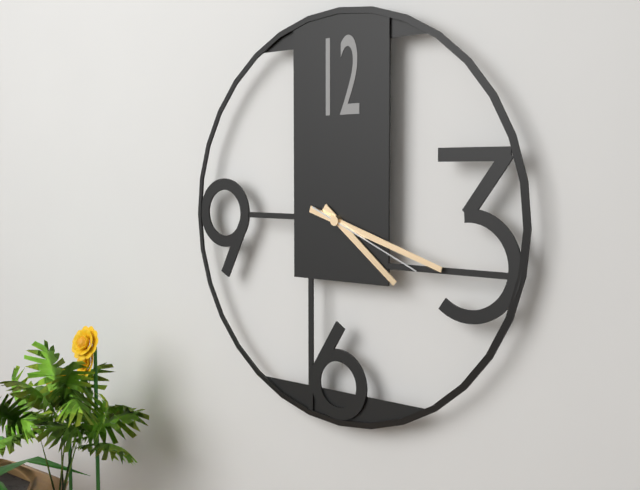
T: 4:18:19
